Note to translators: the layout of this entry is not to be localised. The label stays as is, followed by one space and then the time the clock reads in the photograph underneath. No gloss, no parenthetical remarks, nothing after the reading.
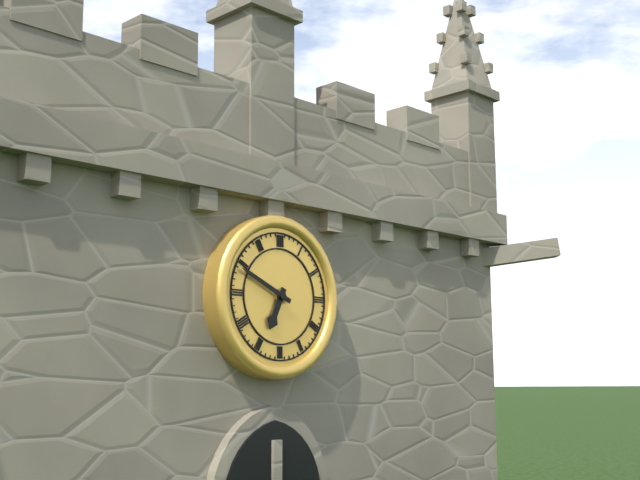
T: 6:49
